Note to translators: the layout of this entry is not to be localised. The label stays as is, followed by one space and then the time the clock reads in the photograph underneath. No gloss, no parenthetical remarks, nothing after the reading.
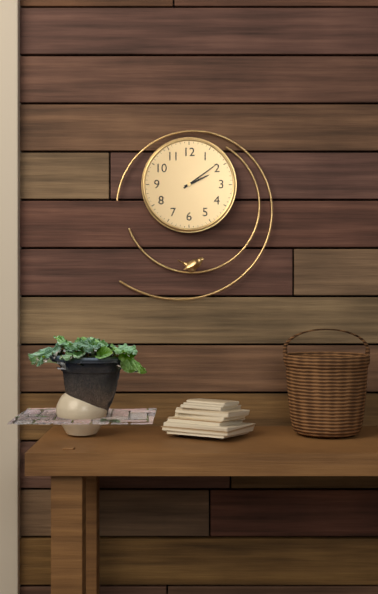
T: 2:09
